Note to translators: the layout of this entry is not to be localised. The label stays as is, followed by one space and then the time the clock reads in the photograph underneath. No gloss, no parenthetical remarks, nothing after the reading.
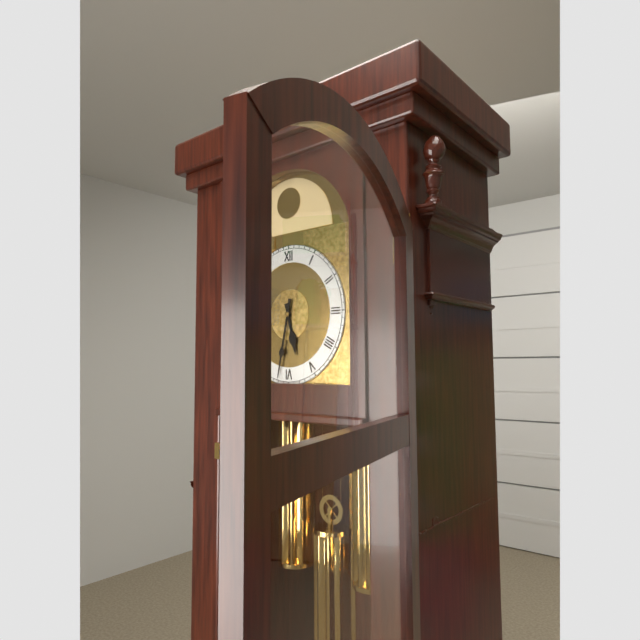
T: 5:32
